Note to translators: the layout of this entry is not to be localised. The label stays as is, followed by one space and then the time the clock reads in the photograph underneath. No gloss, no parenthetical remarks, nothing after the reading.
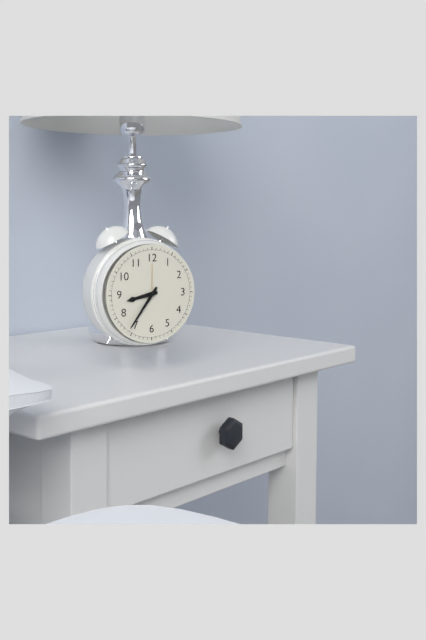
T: 8:36
